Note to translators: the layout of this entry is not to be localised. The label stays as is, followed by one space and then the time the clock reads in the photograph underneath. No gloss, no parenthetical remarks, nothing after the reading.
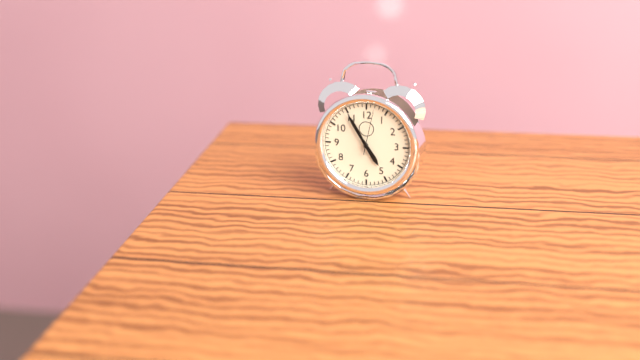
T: 4:55
